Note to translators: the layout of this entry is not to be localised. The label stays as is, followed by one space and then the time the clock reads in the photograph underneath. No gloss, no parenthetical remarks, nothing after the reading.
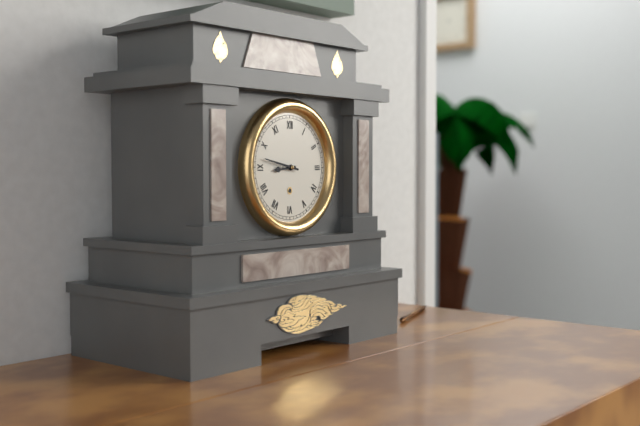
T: 8:47
